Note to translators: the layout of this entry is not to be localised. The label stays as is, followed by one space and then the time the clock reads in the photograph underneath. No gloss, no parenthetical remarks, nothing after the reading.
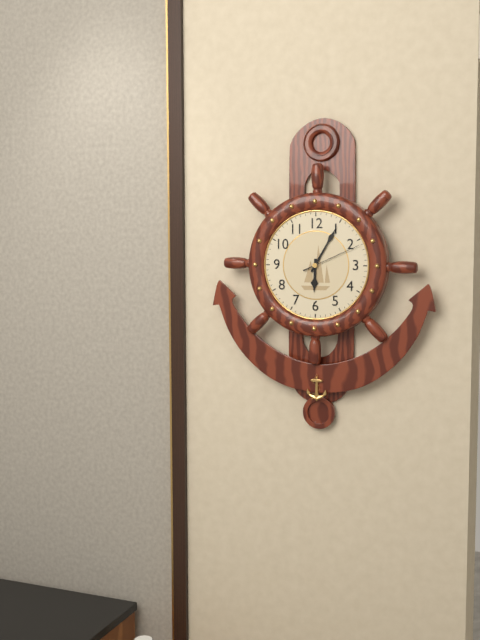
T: 6:05:11
